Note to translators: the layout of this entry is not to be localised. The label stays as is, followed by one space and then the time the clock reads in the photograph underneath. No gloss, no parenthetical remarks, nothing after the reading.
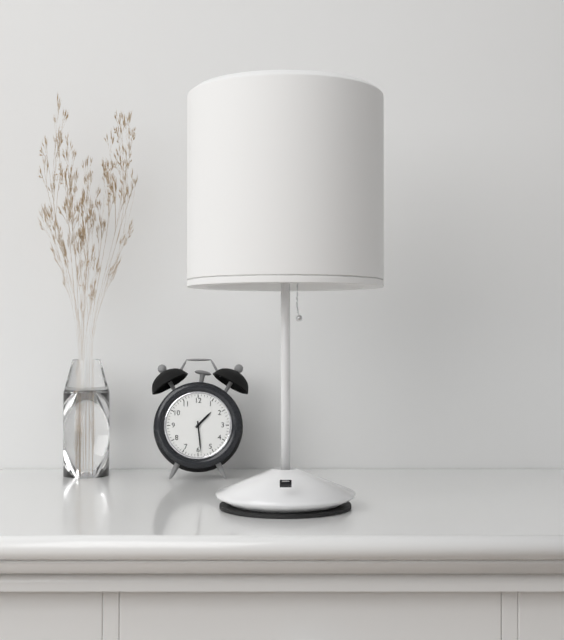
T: 1:29
